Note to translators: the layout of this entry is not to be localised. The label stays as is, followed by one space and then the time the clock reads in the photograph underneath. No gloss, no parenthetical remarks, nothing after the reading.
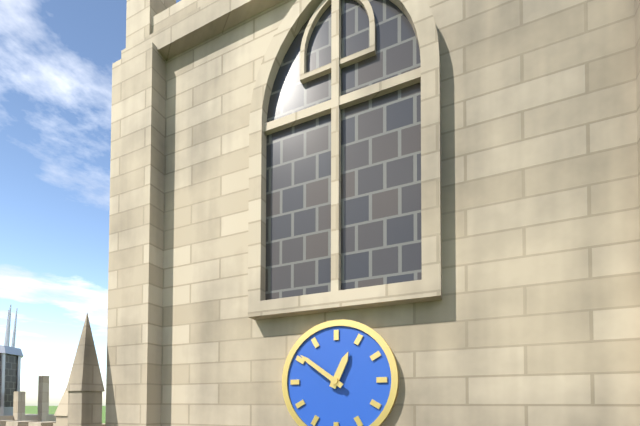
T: 12:51
